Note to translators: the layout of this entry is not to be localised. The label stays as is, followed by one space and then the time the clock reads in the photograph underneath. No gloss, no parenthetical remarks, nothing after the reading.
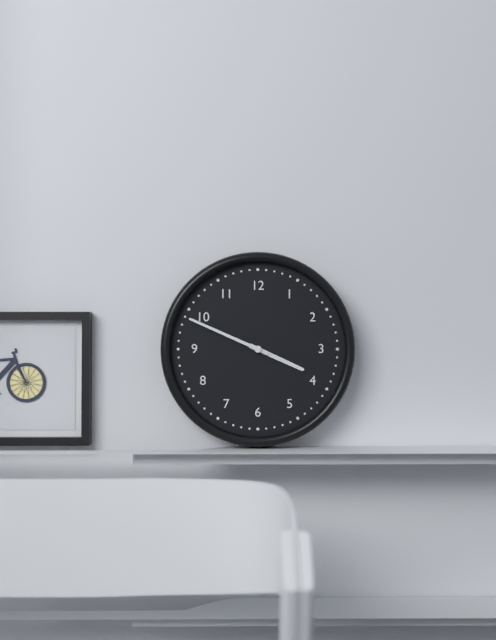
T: 3:49
